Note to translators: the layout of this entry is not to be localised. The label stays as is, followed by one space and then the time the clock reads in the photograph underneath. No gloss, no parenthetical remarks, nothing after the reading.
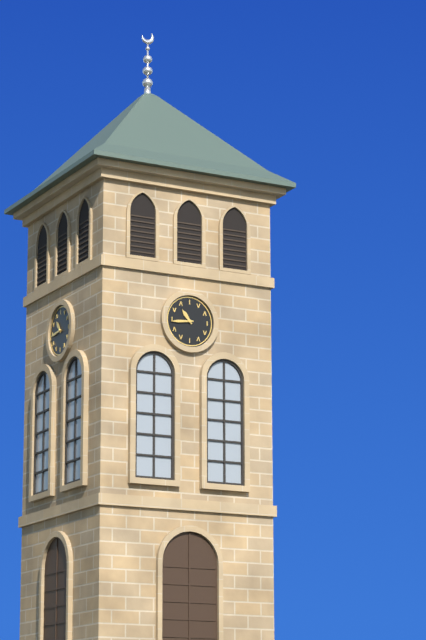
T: 10:44
